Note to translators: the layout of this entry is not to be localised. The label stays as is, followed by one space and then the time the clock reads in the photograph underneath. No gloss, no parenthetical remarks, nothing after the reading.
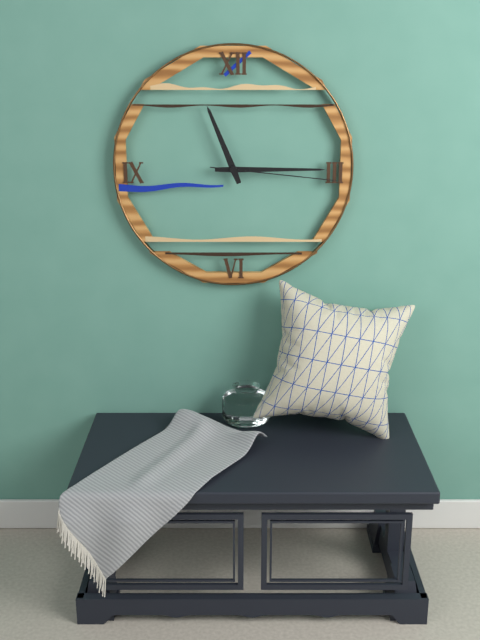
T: 11:15:16
